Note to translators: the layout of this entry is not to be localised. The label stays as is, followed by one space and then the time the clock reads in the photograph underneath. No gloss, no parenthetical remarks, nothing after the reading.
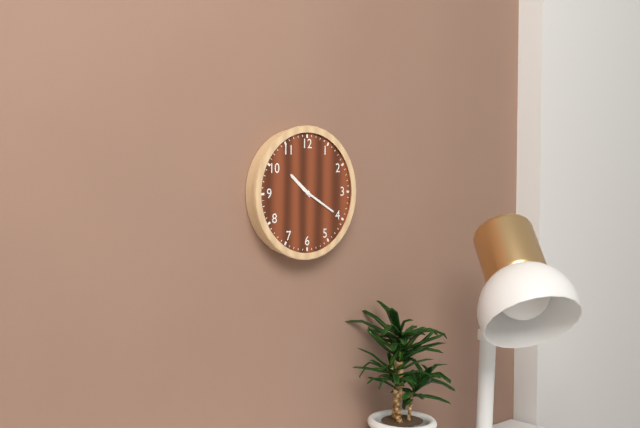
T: 10:20
